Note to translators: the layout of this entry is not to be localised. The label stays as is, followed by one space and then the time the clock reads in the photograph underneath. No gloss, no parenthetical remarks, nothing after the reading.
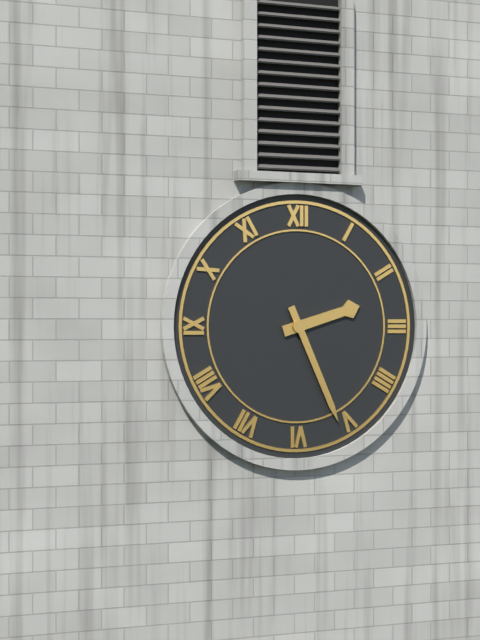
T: 2:26
